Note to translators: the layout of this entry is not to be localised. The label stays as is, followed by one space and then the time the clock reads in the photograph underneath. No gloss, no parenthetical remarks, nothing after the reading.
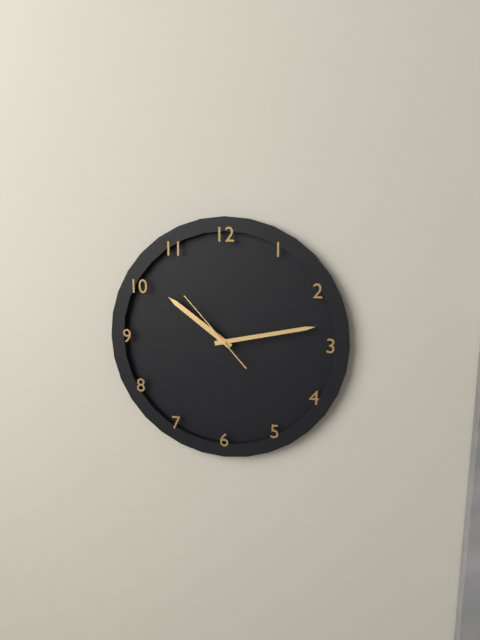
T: 10:13:53
